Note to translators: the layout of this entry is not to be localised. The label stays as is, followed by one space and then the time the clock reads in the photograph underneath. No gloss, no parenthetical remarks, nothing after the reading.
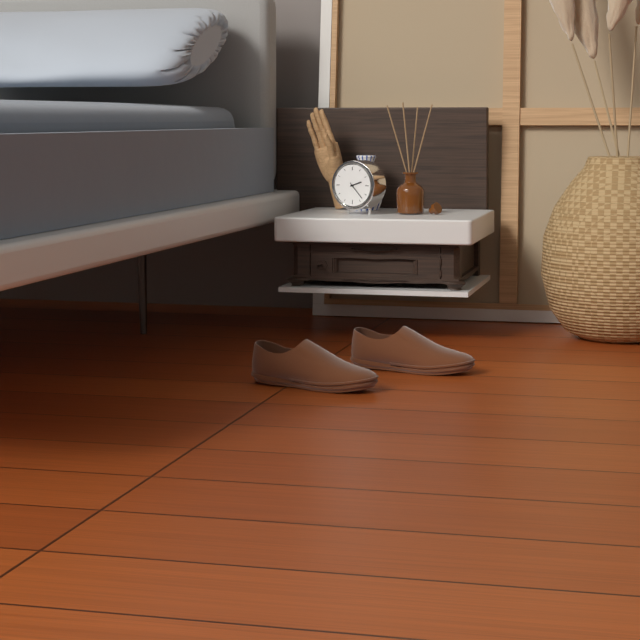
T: 2:23
